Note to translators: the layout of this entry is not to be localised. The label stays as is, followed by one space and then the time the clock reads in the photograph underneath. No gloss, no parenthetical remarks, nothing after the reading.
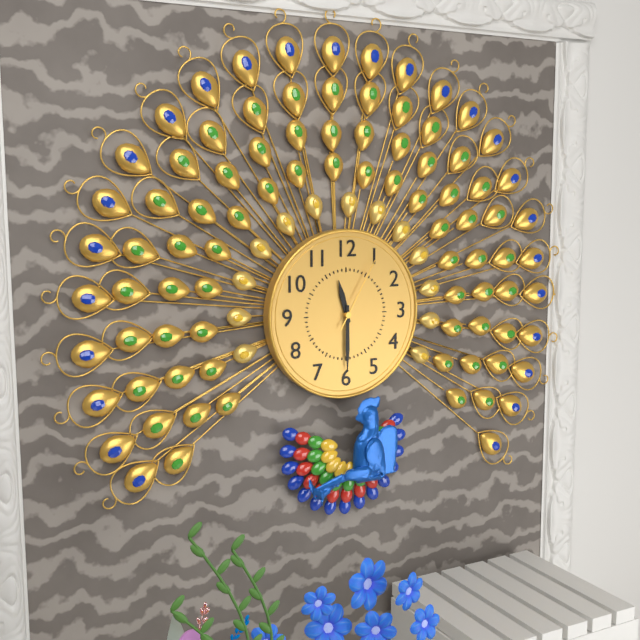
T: 11:30:05
